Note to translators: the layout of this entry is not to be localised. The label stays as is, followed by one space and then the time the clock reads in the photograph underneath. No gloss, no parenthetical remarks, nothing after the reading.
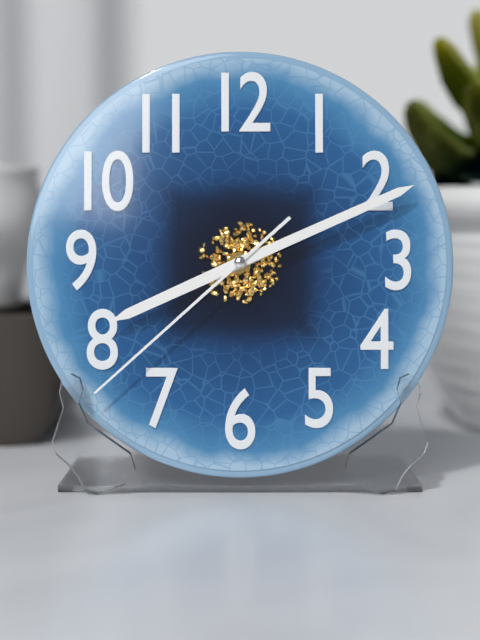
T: 8:11:38
